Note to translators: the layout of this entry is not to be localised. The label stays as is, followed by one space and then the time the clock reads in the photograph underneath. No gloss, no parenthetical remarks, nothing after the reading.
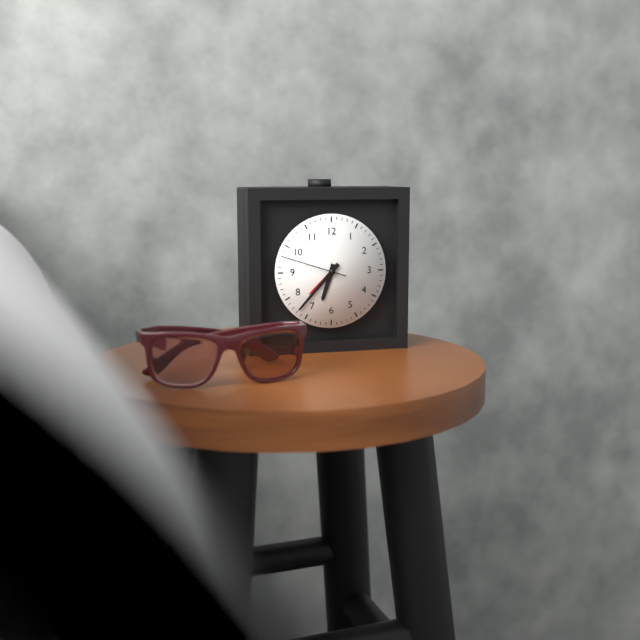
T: 6:37:48
